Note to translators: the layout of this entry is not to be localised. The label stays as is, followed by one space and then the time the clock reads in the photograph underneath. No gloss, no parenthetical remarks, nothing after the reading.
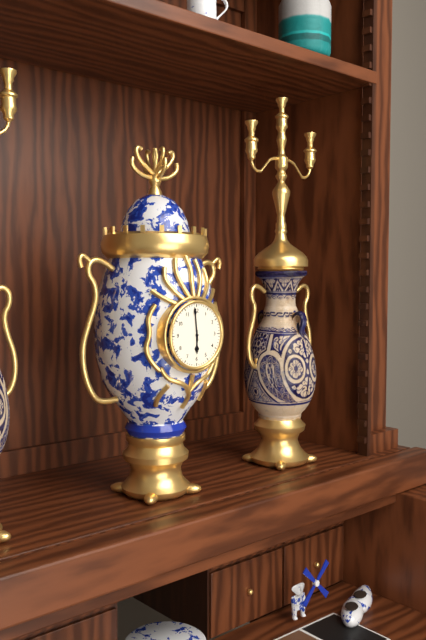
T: 5:59
